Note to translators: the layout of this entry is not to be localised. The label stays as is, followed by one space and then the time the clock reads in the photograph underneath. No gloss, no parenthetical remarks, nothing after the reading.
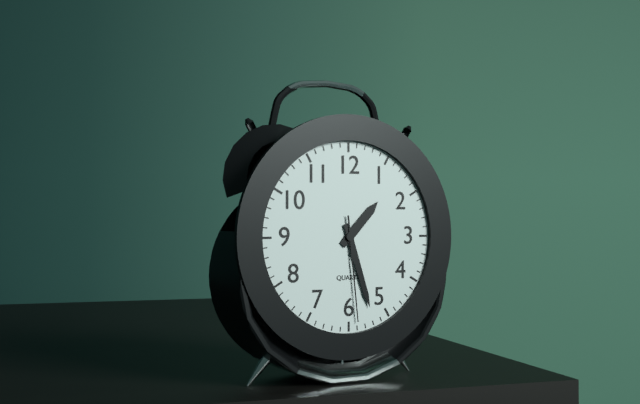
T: 1:27:29
